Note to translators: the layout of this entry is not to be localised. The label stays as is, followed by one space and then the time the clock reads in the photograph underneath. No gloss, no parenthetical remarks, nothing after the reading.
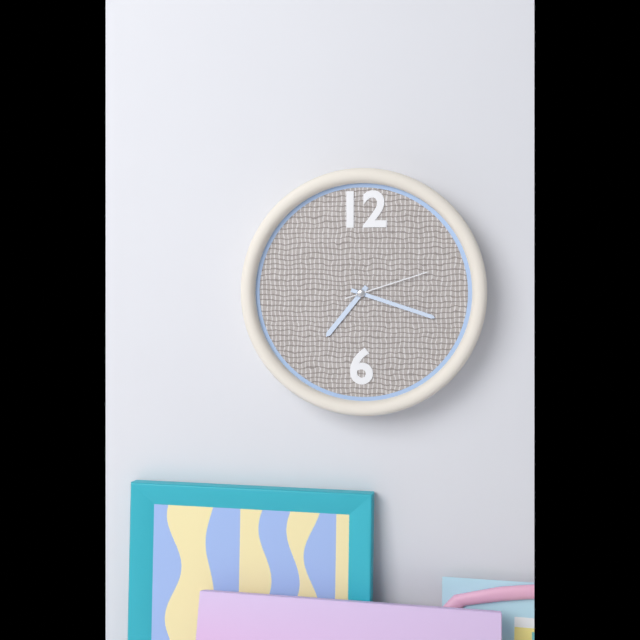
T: 7:18:12
